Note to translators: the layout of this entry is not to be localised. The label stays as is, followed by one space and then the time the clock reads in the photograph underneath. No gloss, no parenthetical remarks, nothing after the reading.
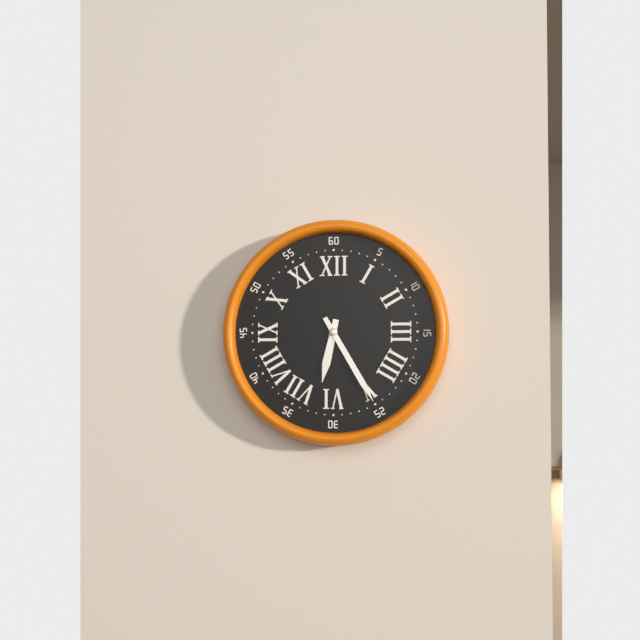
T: 6:25
